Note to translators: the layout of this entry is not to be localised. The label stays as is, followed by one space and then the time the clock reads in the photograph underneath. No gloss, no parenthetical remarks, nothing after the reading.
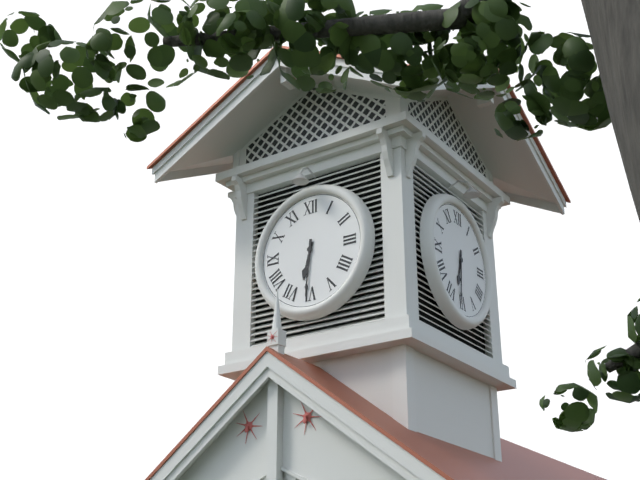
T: 6:31
